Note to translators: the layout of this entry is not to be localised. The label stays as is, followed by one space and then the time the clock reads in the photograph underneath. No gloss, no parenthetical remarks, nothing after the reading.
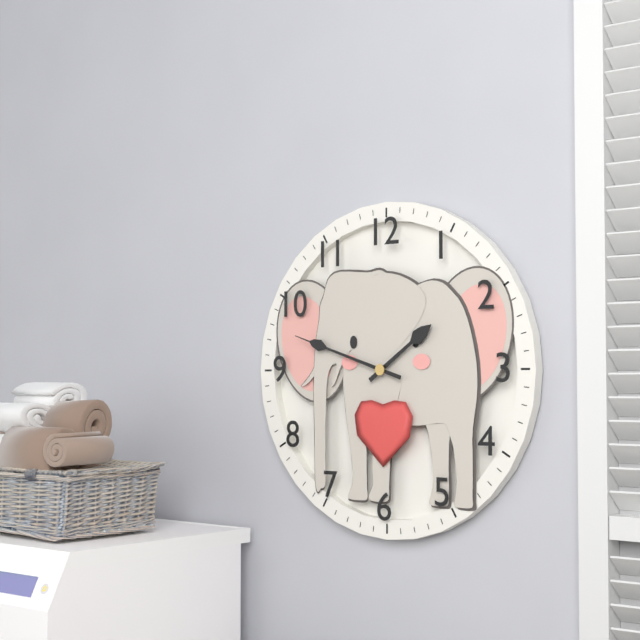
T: 1:48
